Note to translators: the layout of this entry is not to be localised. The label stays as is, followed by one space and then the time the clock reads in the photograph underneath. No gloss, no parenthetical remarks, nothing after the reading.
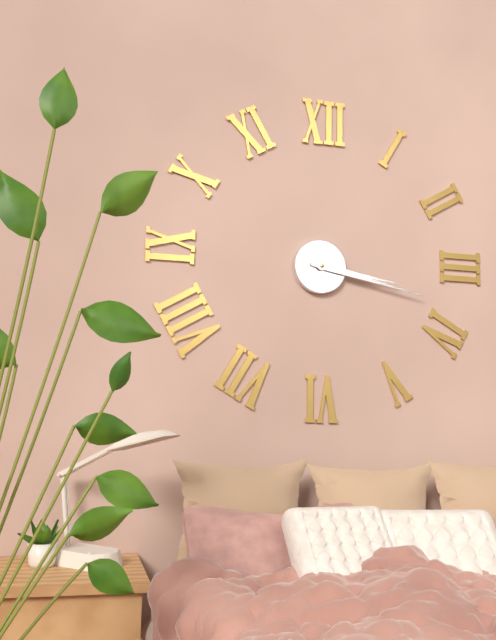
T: 3:17
